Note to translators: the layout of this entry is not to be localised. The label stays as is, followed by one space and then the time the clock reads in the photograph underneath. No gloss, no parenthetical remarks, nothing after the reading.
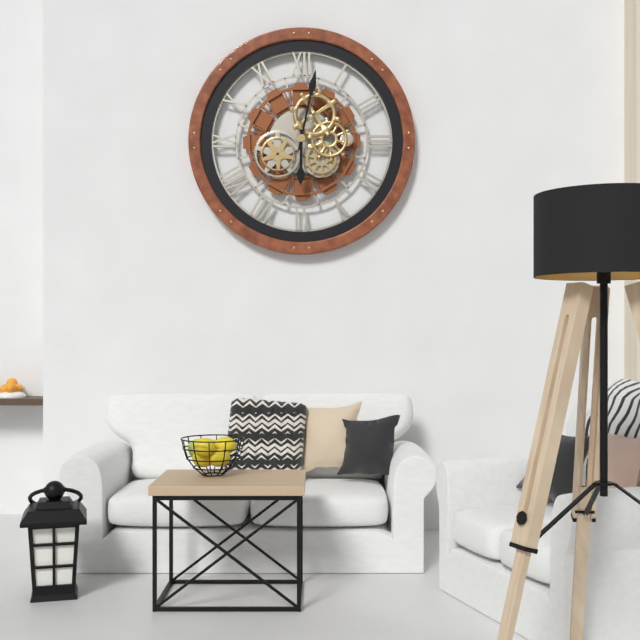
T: 6:02
